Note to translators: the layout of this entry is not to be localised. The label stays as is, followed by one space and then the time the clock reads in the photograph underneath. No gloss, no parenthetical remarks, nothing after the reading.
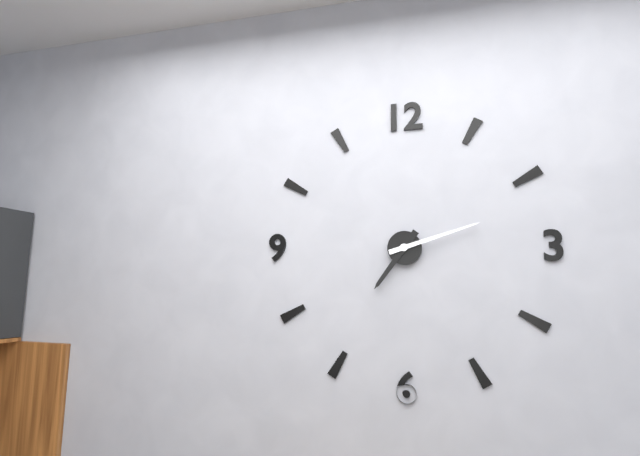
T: 7:12
